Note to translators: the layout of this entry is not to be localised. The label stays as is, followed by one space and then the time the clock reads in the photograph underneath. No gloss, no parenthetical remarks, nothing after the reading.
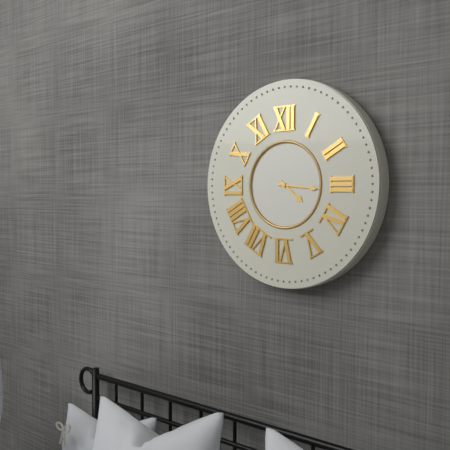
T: 4:16
